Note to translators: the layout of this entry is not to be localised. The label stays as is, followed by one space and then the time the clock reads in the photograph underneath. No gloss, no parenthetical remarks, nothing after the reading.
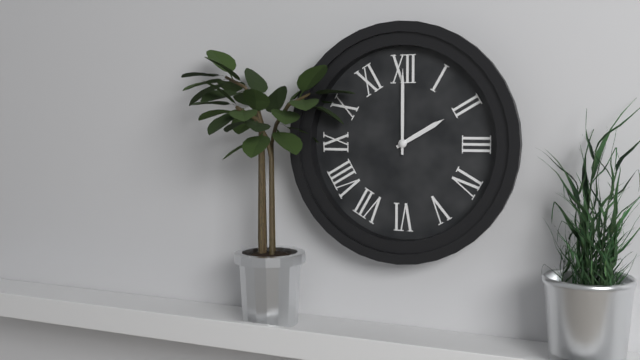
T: 2:00
